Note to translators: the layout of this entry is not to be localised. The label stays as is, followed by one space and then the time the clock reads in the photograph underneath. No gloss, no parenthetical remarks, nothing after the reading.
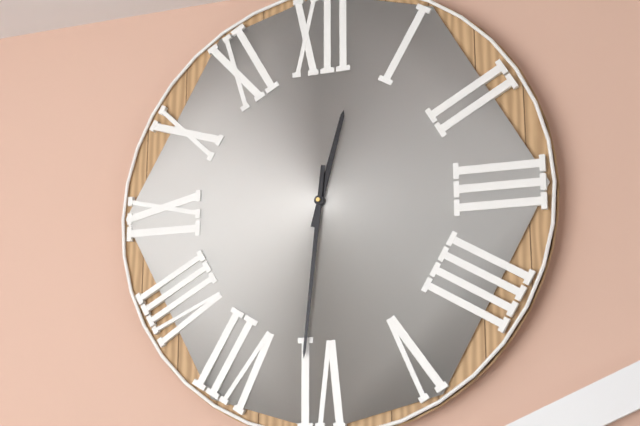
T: 12:31
